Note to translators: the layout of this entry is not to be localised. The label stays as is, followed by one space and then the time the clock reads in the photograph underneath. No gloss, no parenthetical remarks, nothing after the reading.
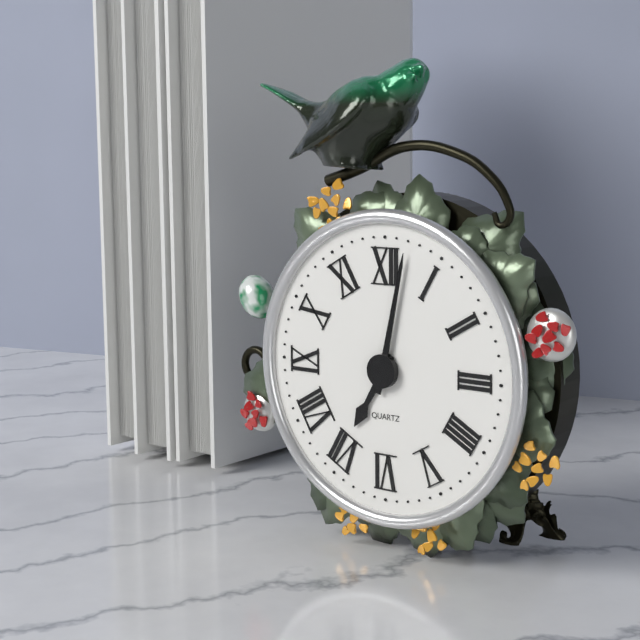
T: 7:02
